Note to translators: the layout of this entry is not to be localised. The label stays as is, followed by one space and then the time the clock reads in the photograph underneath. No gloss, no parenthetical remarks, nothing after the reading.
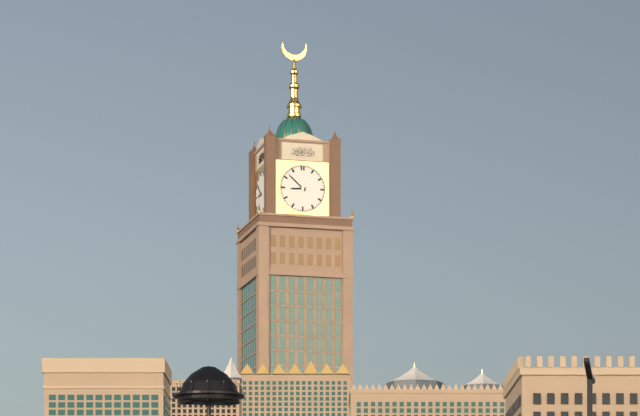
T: 8:52
